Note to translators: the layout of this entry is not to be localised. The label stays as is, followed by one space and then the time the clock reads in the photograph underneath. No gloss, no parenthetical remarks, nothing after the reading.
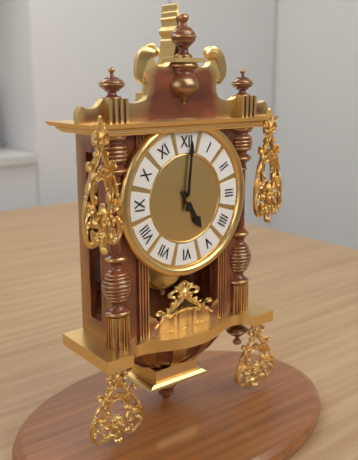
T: 5:01
